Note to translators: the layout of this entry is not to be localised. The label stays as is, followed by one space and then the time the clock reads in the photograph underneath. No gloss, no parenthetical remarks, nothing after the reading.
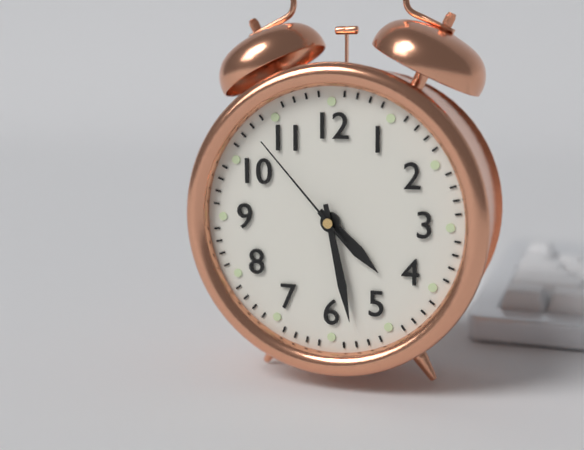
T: 4:28:53
